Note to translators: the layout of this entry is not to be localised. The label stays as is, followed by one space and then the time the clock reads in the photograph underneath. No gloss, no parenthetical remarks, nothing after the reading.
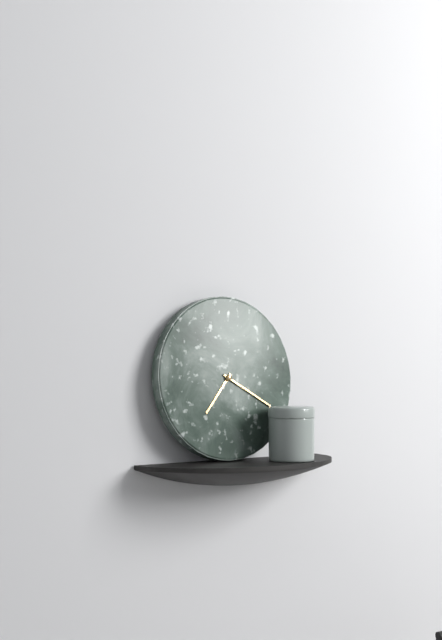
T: 7:20
